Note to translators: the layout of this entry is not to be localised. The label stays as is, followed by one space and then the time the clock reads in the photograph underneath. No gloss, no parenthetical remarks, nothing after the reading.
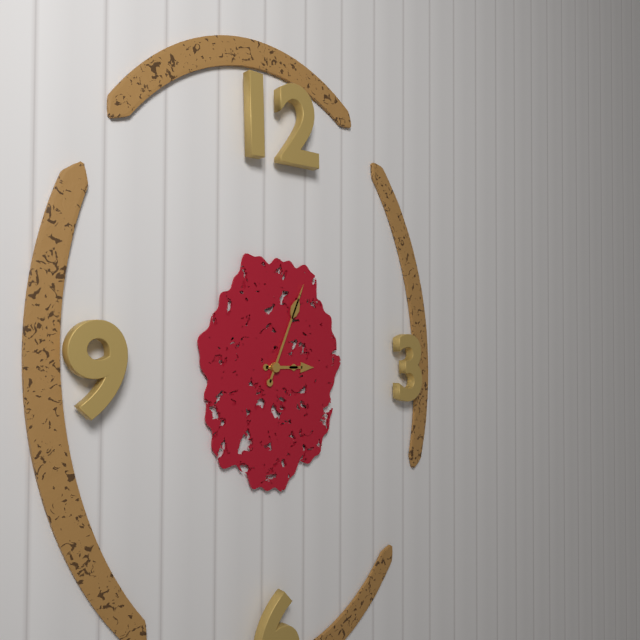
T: 3:04
